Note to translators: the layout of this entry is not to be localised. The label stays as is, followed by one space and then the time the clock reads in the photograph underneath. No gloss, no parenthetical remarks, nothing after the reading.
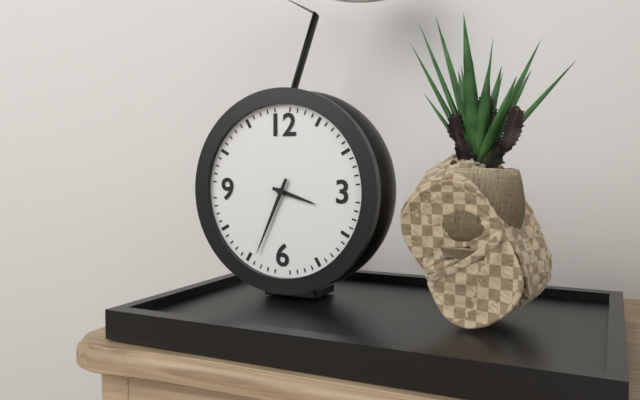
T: 3:34
